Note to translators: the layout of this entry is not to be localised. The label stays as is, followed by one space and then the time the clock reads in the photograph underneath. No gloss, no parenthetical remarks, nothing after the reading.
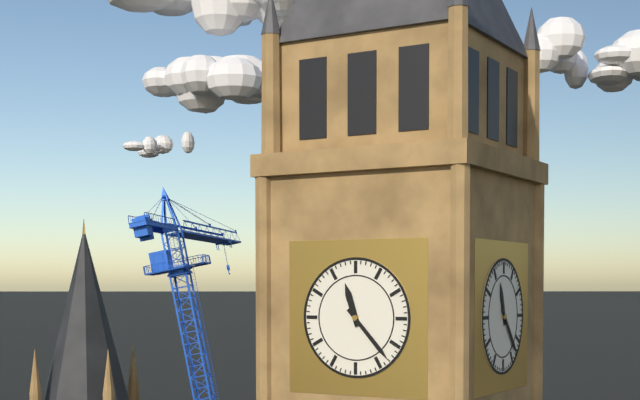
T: 11:23
